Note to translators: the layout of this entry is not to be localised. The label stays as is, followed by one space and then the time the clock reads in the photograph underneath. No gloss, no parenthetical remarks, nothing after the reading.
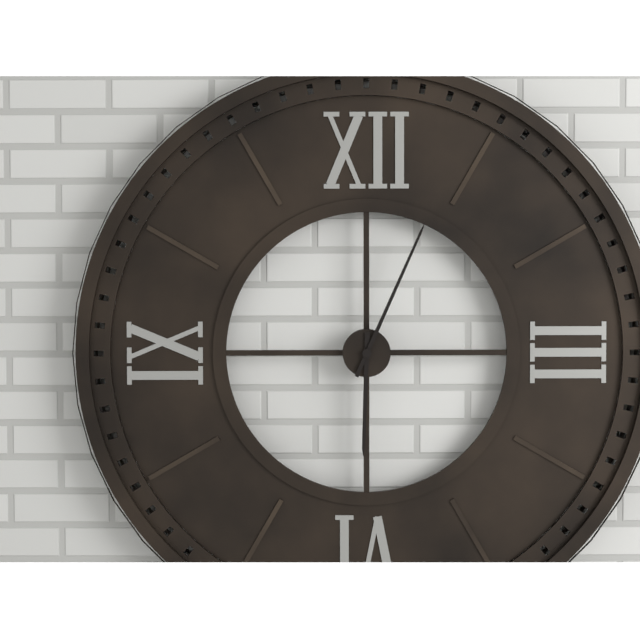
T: 6:04
